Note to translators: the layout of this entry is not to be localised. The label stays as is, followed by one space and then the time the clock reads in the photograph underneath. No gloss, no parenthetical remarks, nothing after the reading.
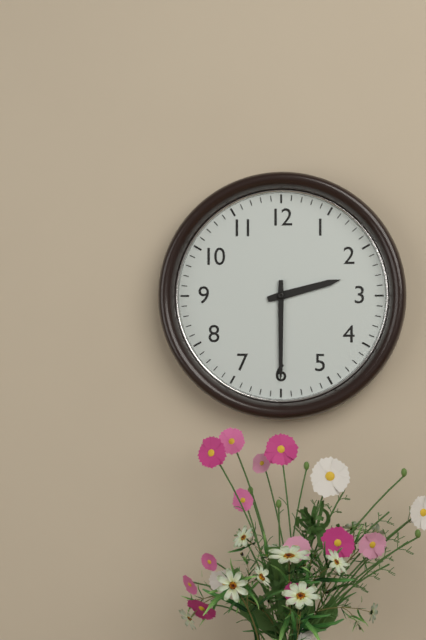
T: 2:30
